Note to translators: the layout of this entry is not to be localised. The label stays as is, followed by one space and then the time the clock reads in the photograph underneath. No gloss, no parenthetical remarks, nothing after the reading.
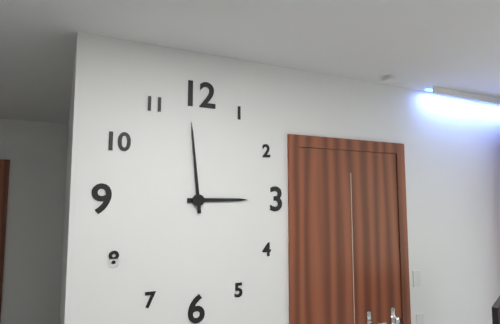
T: 2:59
